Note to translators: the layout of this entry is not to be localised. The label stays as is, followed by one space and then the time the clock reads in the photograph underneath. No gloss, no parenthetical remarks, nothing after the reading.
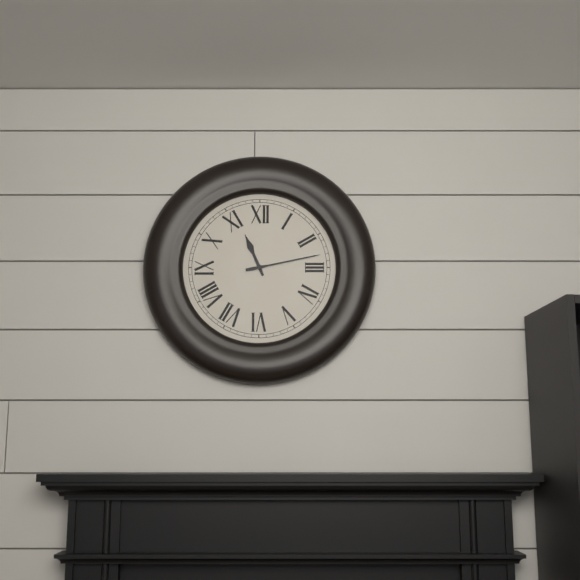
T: 11:13
